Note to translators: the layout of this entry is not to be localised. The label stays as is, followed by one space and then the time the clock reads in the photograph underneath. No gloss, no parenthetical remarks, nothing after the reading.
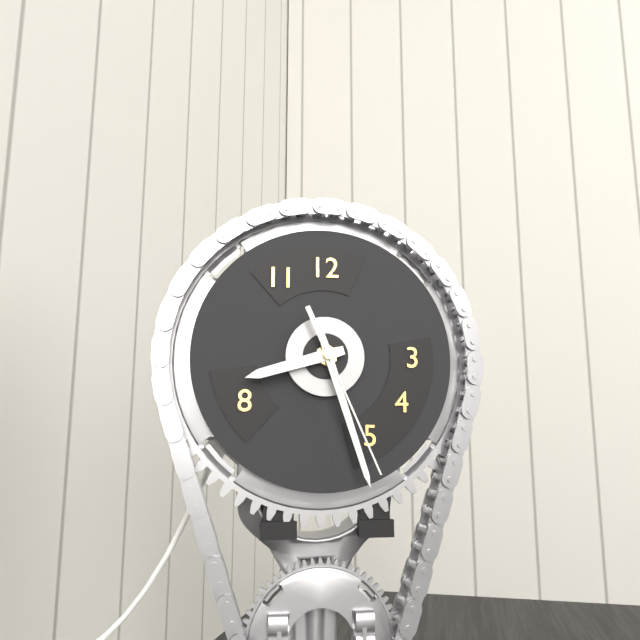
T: 8:27:26
